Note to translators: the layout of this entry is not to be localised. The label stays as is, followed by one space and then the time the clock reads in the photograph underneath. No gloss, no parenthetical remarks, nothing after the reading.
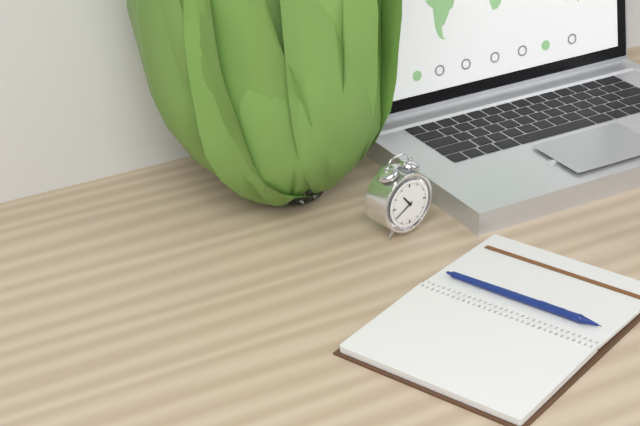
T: 10:40
